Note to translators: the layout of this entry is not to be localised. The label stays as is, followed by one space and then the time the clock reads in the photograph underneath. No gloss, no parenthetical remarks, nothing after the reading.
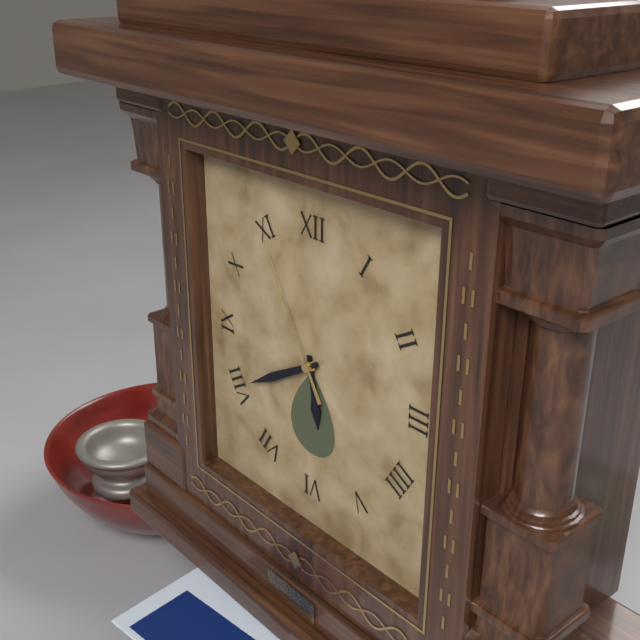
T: 5:40:55
